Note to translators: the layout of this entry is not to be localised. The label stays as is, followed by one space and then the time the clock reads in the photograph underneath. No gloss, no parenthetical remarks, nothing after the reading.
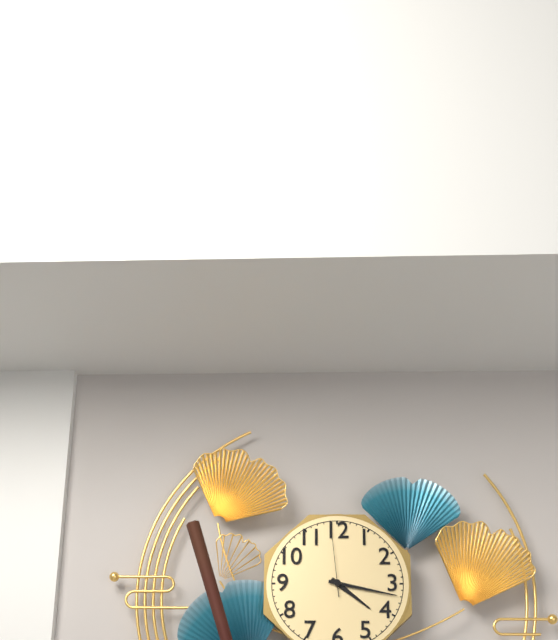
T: 4:17:59
